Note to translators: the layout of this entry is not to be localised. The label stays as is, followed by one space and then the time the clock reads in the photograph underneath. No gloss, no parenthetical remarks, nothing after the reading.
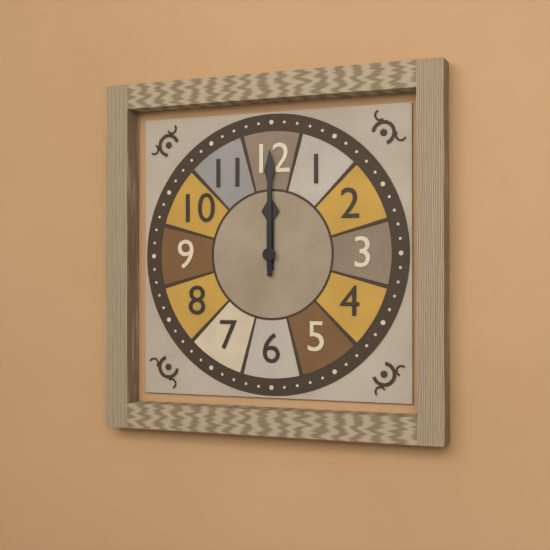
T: 12:00
